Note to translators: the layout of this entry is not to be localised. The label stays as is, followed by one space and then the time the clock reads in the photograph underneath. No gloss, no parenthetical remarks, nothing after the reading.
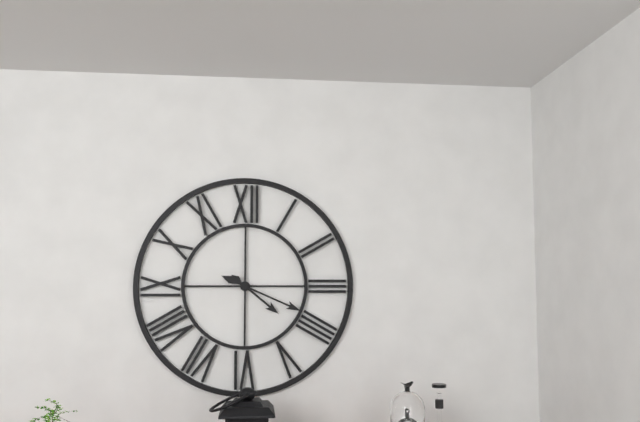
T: 4:19
